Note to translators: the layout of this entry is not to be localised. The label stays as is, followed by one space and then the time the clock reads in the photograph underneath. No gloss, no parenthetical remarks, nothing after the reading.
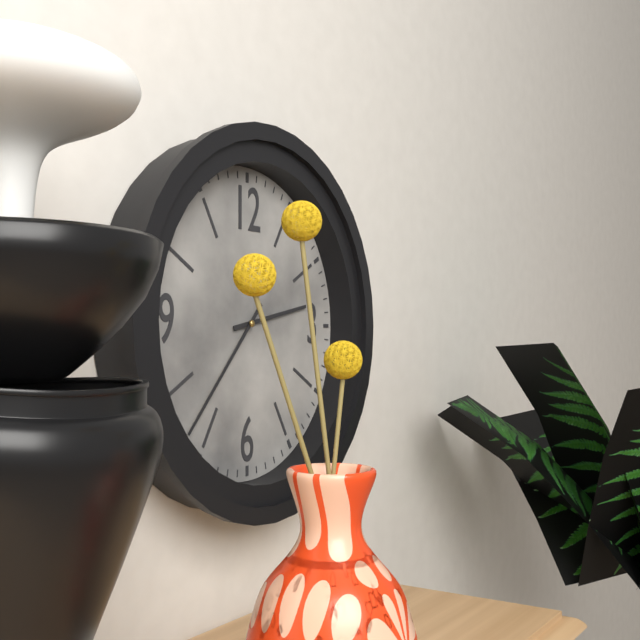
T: 2:37
